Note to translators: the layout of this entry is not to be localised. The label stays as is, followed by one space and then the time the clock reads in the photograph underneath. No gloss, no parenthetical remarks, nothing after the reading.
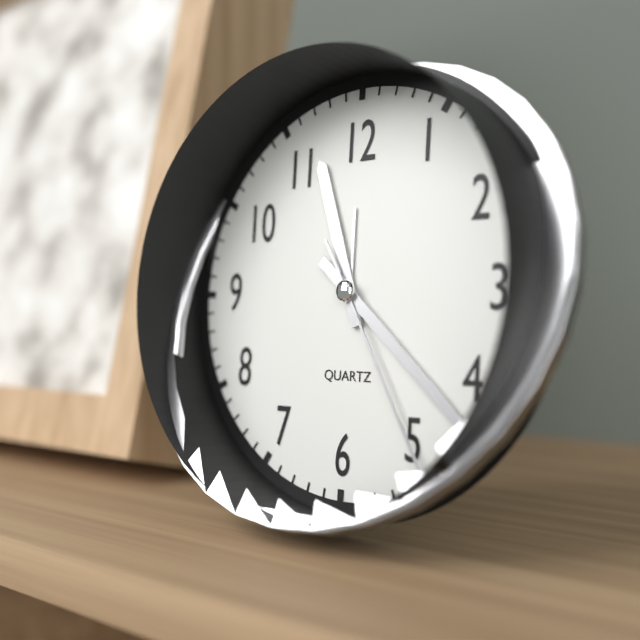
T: 11:22:25
